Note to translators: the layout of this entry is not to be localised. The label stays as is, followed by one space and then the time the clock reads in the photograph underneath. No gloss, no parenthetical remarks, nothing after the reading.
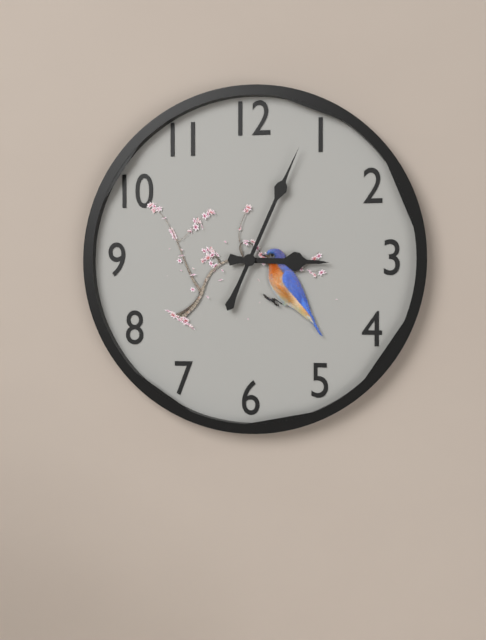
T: 3:04
